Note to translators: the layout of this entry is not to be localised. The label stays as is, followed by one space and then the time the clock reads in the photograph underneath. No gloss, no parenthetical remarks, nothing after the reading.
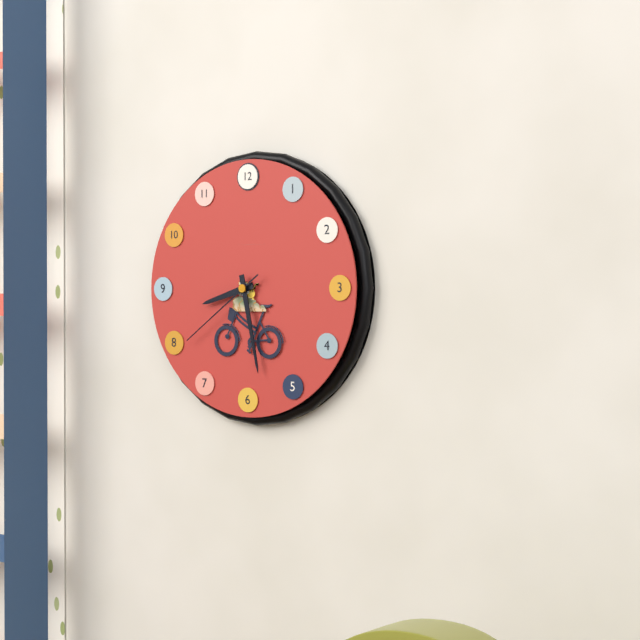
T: 8:28:39
